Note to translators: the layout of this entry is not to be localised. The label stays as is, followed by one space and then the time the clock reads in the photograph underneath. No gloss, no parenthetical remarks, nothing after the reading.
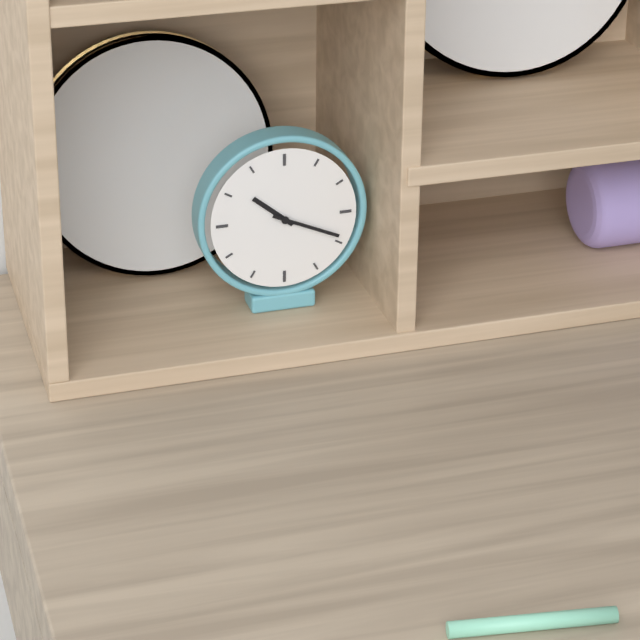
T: 10:19
